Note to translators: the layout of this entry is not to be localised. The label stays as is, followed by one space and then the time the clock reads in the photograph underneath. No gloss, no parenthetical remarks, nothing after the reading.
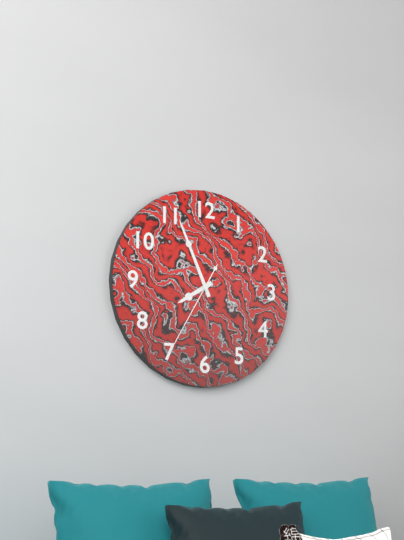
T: 7:56:35
